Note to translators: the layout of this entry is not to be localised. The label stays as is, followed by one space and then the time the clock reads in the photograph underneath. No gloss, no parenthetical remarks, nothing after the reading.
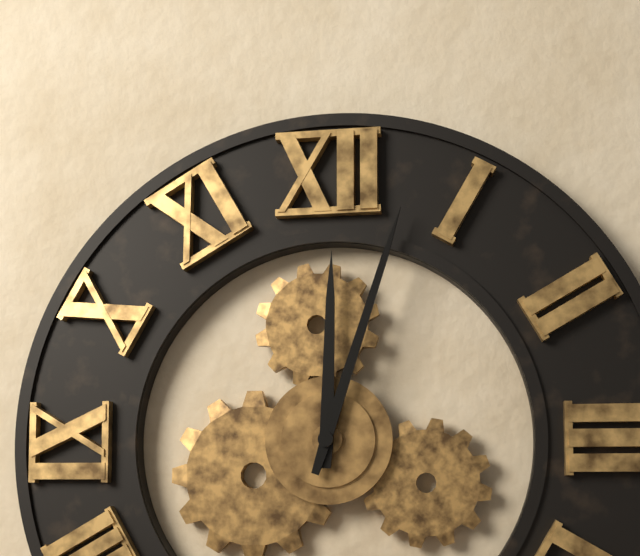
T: 12:03
